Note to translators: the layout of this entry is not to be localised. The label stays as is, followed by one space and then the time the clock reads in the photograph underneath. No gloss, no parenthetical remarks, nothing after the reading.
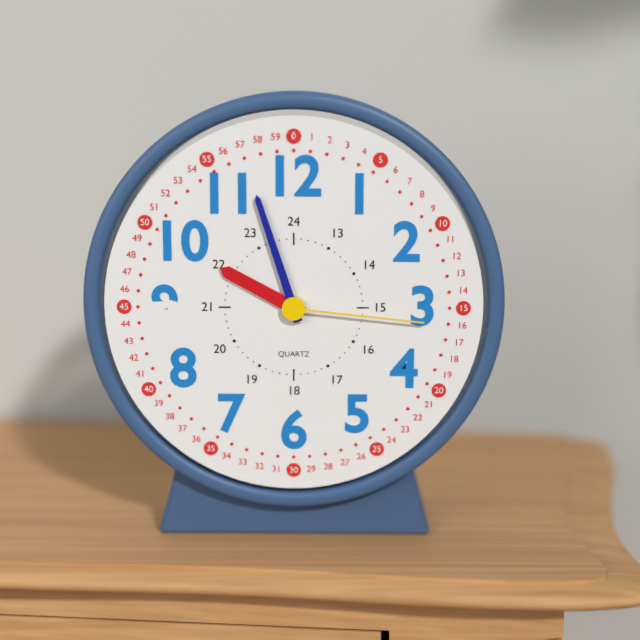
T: 9:57:16
